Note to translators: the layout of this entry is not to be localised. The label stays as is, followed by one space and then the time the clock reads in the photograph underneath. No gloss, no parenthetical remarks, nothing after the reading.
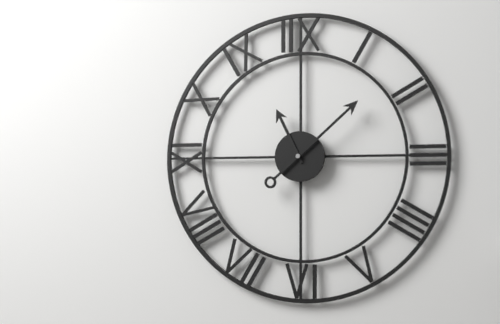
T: 11:08
